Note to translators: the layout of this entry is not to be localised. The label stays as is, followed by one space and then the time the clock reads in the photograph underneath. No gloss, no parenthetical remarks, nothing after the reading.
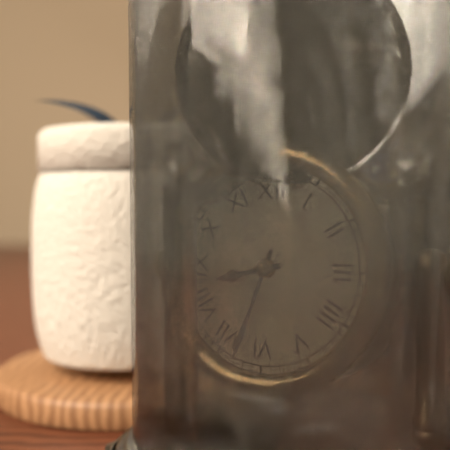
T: 8:33
